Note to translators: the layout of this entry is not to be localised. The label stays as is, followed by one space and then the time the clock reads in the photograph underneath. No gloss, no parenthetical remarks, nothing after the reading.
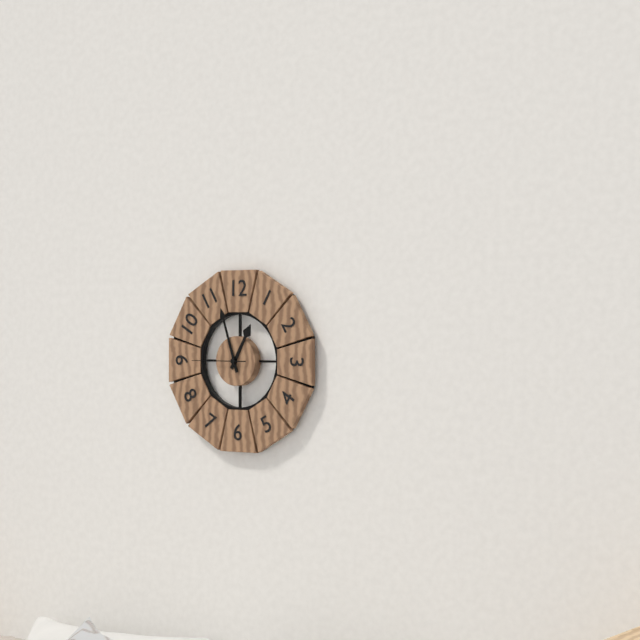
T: 12:57:45
